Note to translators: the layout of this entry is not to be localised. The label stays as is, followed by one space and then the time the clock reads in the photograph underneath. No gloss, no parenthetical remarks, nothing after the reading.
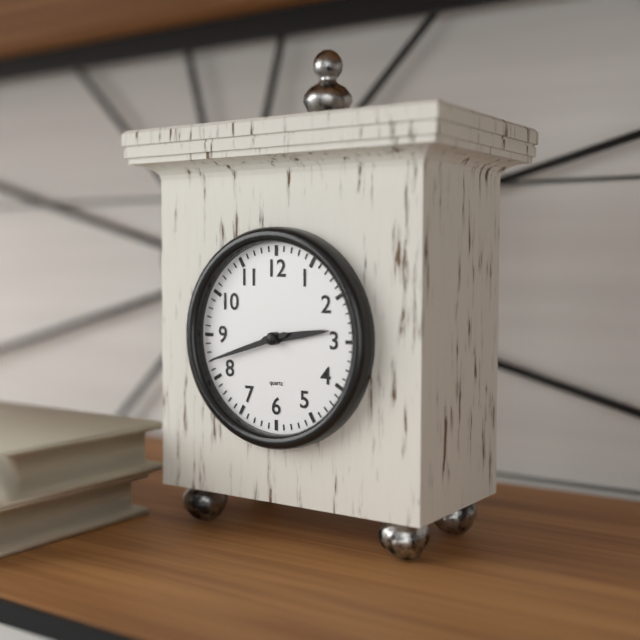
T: 2:42
